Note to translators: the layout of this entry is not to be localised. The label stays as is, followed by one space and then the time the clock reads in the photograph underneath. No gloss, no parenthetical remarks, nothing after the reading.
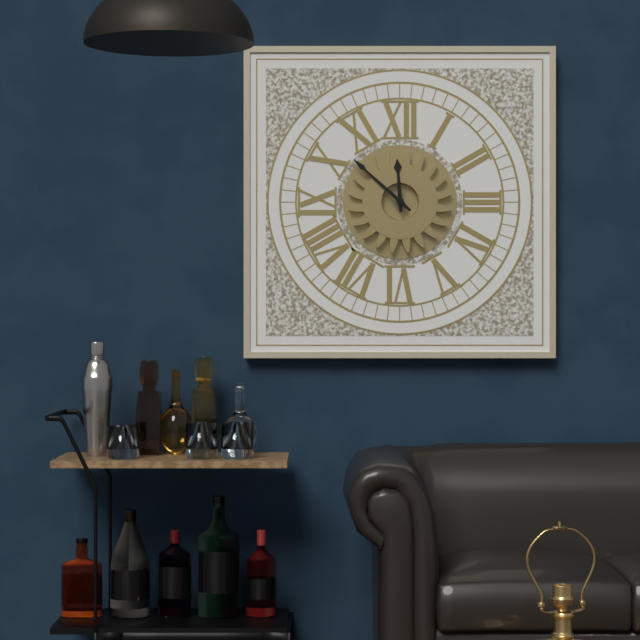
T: 11:52
